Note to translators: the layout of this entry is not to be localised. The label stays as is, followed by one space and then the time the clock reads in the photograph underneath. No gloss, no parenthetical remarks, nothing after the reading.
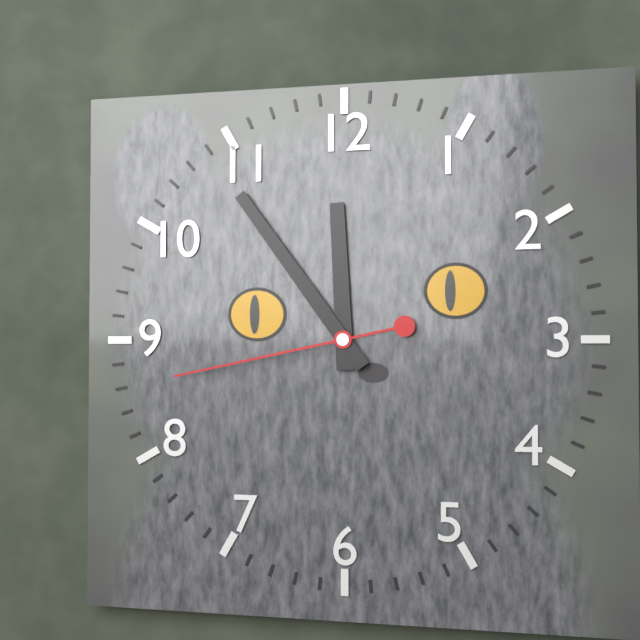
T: 11:54:43
